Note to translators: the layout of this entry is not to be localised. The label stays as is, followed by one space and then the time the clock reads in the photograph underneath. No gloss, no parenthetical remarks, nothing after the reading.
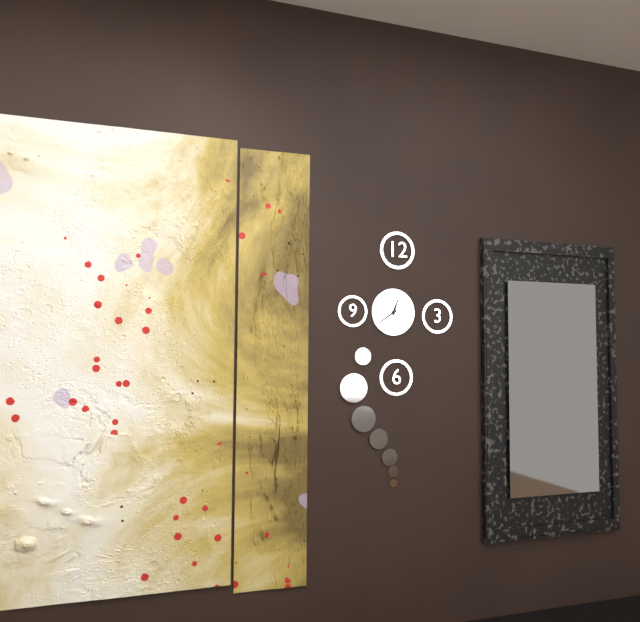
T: 12:39
